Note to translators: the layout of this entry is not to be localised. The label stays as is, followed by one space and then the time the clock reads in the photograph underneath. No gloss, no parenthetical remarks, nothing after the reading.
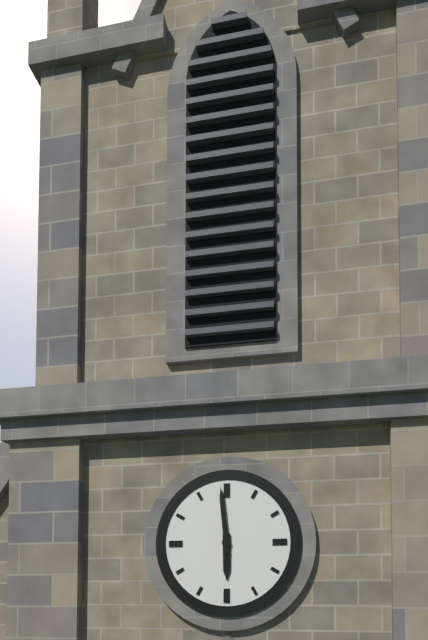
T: 5:59
